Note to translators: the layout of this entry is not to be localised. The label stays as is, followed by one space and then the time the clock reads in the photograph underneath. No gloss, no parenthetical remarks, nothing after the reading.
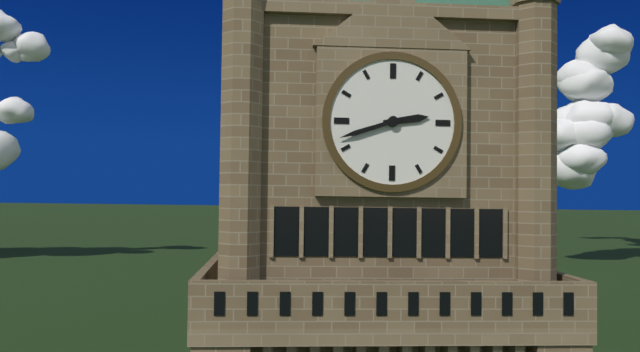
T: 2:42
